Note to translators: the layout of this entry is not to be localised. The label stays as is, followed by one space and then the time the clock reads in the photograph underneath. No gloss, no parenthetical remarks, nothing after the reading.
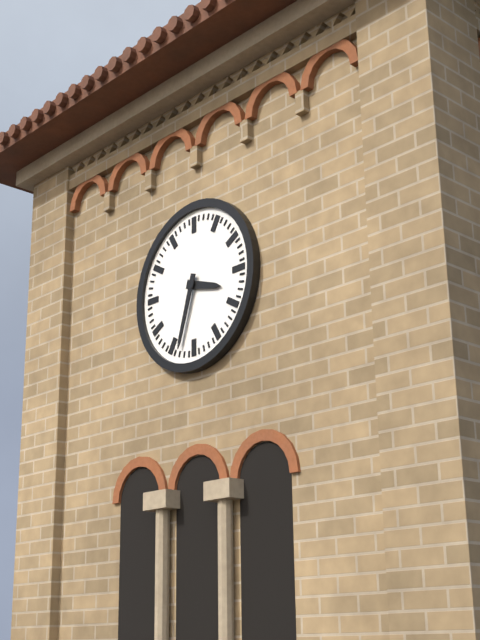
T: 3:33
